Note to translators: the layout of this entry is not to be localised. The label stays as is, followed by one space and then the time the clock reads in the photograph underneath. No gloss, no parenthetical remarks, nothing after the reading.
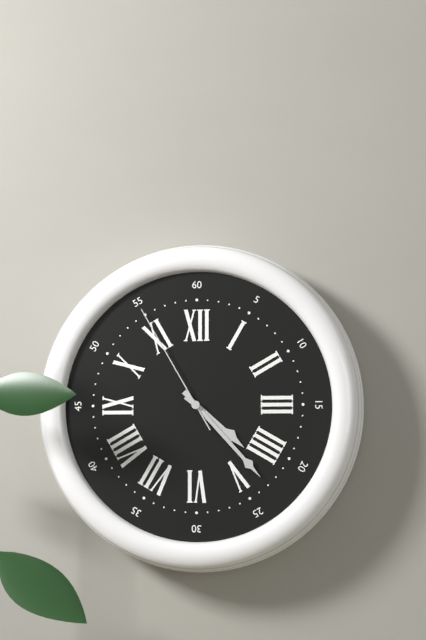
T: 4:23:55
